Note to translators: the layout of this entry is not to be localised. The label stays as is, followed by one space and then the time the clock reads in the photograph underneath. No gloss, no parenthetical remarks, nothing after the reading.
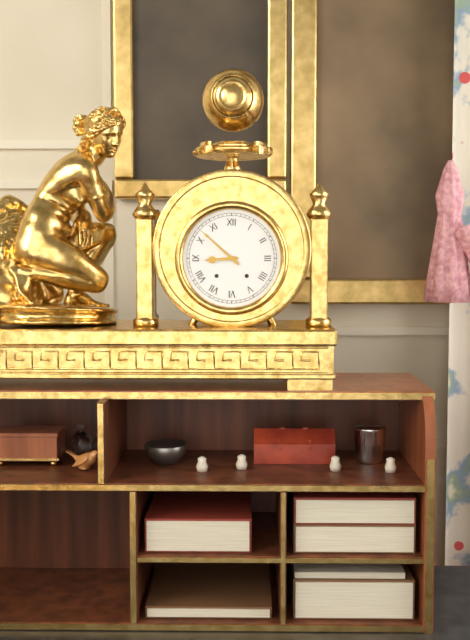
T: 8:52
